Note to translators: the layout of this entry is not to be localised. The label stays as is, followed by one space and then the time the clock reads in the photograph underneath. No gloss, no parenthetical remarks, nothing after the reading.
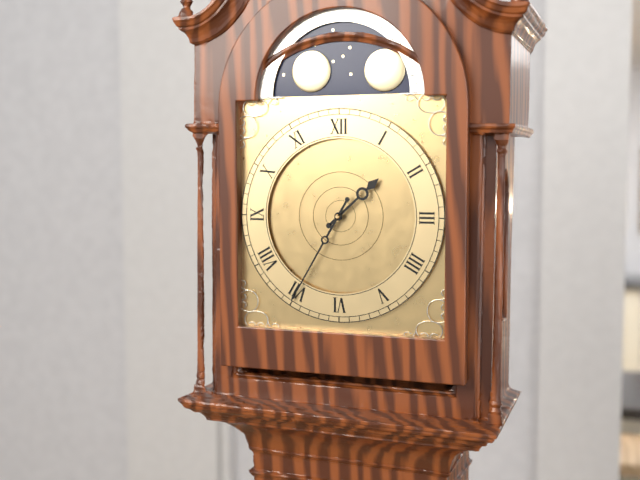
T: 1:35
